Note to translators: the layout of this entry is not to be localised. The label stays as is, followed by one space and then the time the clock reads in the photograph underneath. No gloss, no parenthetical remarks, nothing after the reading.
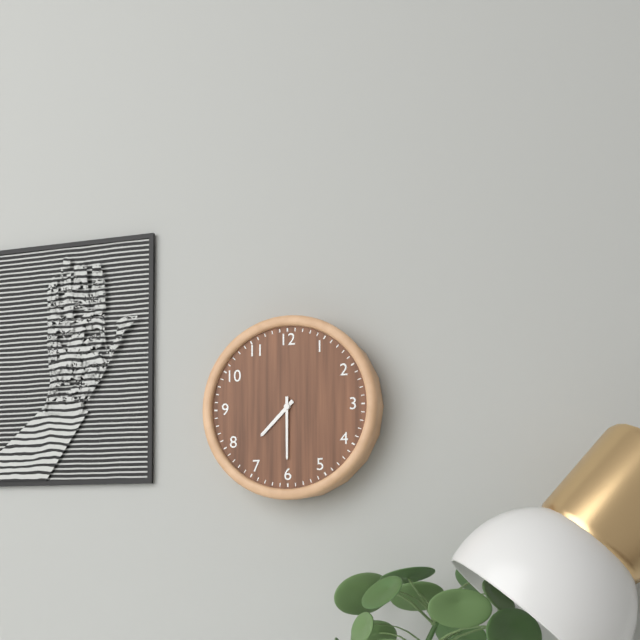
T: 7:30
